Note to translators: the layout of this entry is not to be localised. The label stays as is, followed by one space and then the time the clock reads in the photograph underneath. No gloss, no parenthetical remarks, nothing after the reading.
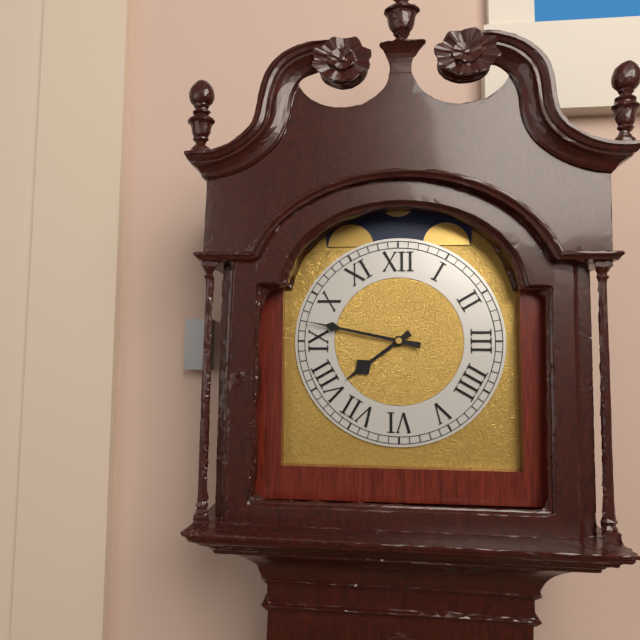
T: 7:47
